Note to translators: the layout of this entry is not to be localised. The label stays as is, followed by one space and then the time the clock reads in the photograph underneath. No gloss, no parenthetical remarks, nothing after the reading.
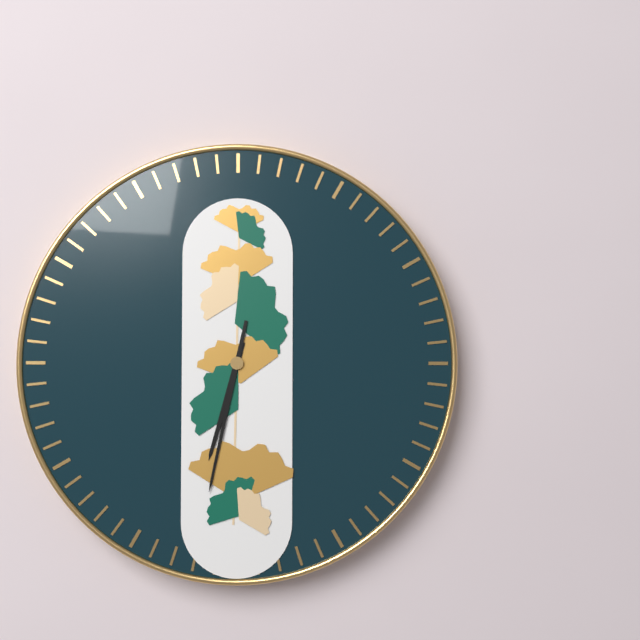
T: 6:32
